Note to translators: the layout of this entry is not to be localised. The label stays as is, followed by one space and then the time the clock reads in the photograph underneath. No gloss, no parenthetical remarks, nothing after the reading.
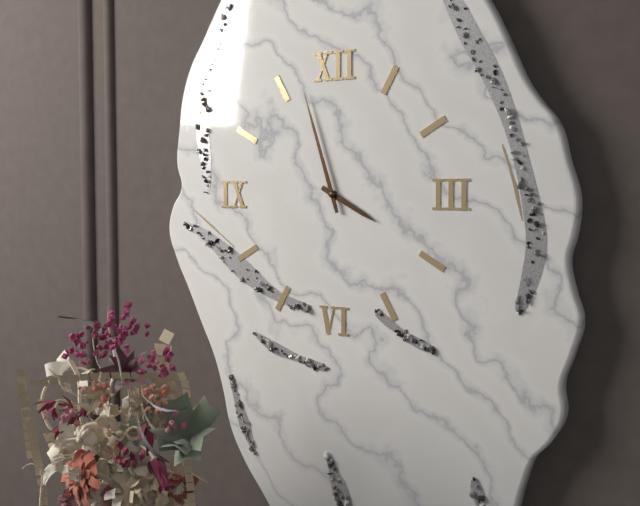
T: 3:57
